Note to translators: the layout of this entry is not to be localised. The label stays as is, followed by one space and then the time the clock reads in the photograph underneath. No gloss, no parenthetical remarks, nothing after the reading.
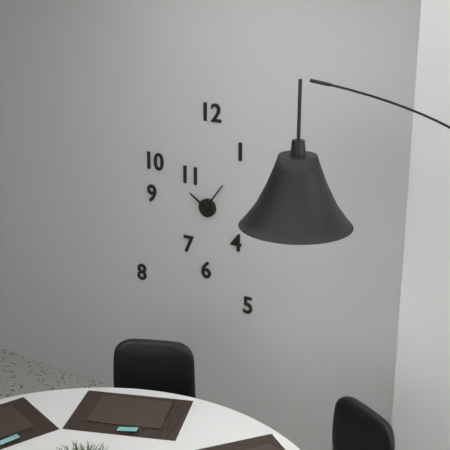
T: 10:06
